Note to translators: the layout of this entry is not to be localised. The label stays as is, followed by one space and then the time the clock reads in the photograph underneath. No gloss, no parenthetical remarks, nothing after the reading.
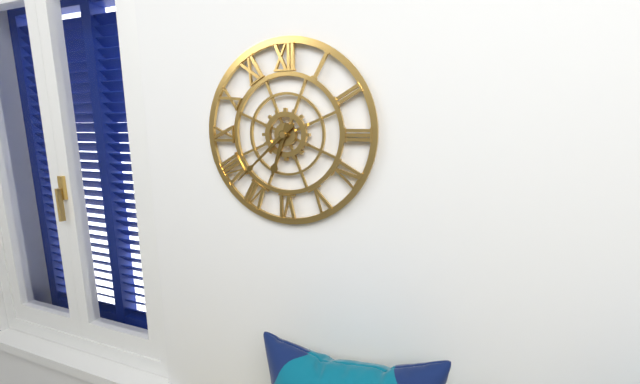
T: 6:38
